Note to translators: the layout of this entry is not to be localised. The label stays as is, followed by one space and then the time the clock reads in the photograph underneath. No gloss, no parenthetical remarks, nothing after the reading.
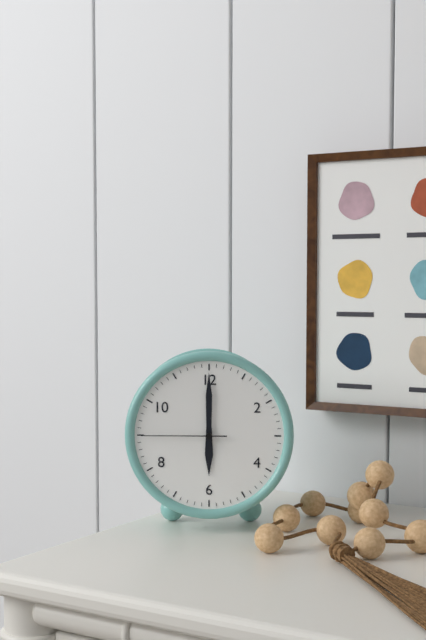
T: 6:00:45
